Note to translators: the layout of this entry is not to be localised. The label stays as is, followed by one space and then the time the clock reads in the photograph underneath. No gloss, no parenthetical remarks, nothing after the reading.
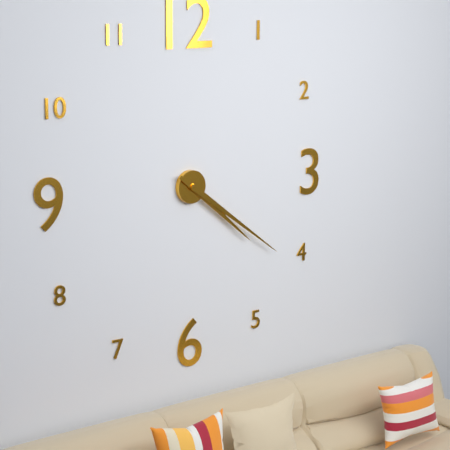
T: 4:21
